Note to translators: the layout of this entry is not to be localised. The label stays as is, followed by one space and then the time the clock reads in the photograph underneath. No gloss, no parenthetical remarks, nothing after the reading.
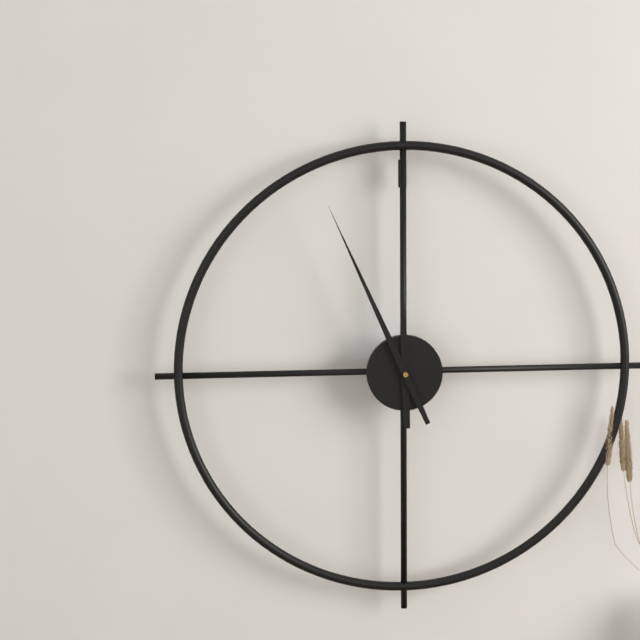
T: 11:56
